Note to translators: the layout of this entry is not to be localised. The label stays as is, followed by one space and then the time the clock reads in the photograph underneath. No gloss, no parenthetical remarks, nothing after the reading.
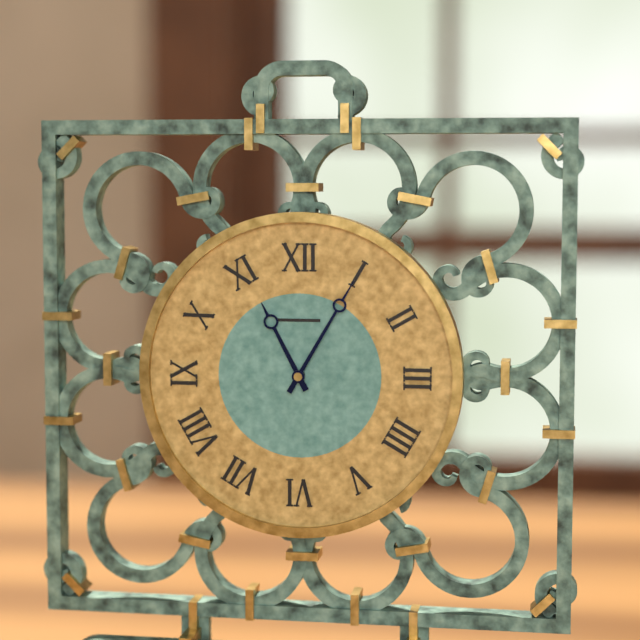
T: 11:05
